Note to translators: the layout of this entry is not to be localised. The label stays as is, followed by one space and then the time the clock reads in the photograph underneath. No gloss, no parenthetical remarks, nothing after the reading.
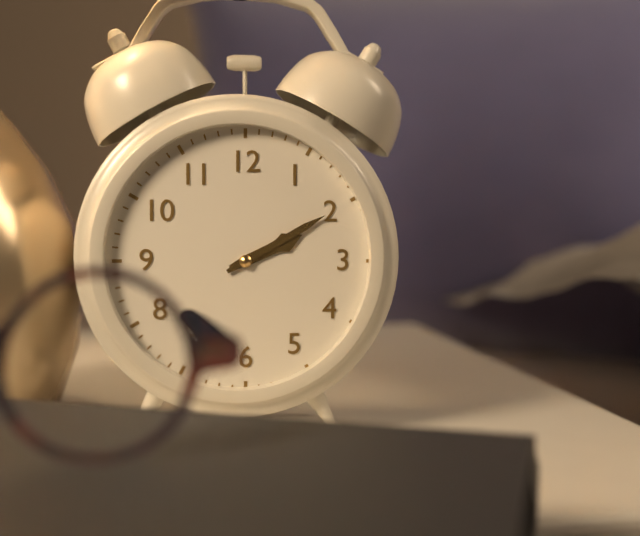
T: 2:10
